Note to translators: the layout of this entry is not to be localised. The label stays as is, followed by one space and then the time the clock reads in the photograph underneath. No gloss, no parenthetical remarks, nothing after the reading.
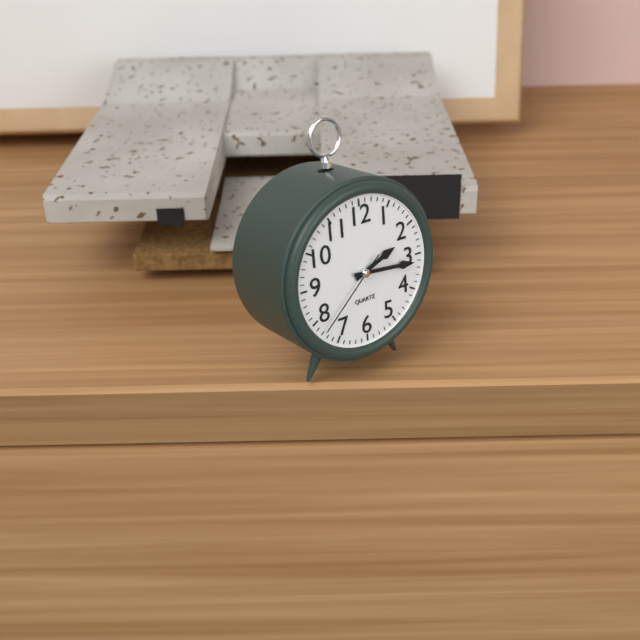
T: 2:16:38
